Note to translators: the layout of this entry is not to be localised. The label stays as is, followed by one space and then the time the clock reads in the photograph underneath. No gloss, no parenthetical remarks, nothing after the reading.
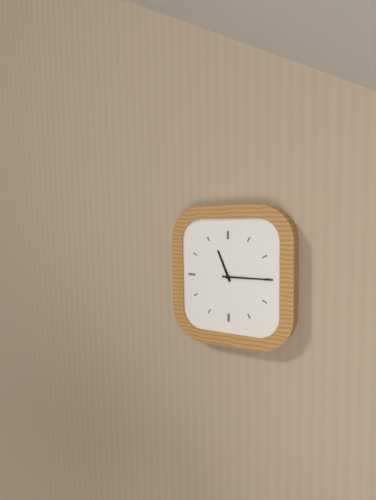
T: 11:15
